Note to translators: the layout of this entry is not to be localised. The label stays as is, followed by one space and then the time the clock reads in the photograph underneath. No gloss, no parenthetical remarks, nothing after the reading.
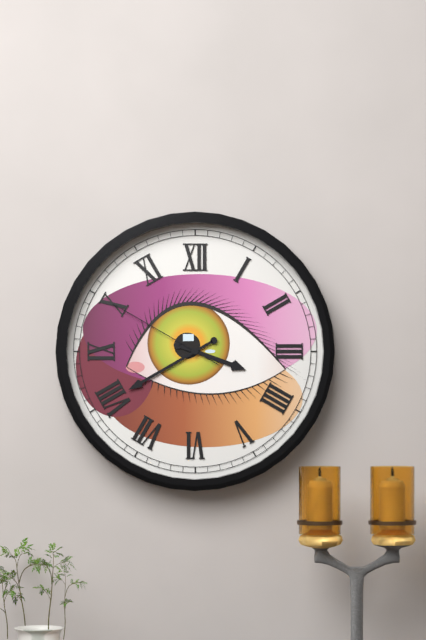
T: 3:40:50
